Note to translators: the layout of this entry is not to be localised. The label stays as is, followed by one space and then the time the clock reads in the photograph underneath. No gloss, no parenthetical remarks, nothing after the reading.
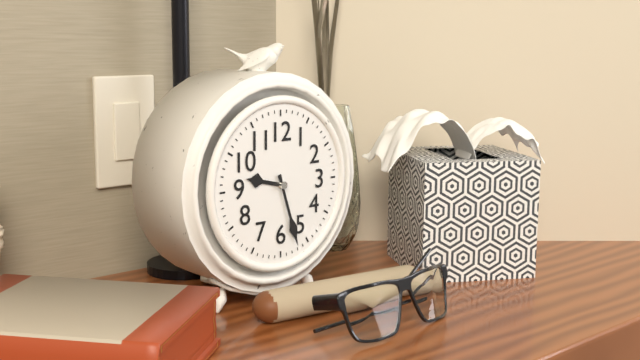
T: 9:27
